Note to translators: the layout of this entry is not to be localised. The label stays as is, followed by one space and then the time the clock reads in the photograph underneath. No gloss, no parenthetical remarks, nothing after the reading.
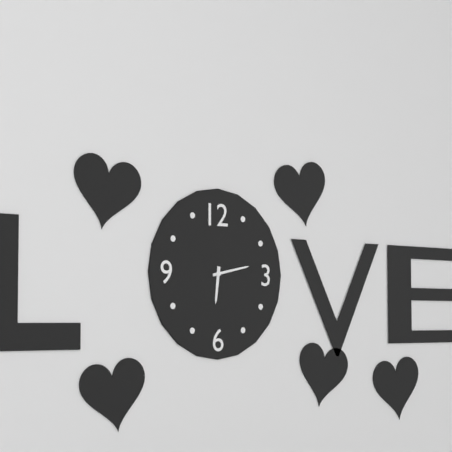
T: 6:13
